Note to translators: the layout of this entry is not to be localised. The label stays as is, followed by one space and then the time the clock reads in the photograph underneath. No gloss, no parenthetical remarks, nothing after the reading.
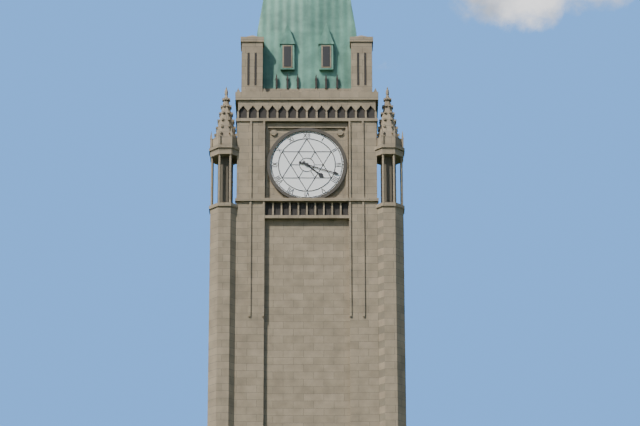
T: 4:18
